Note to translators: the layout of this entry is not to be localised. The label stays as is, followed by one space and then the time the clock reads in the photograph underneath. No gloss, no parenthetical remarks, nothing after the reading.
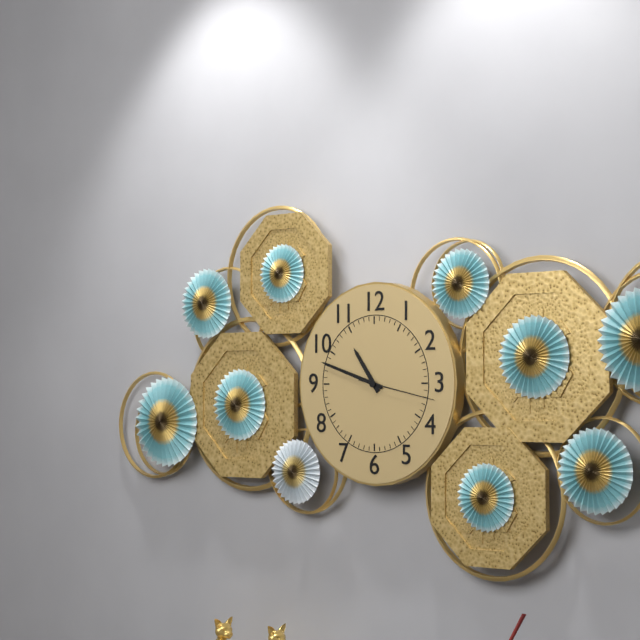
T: 10:48:17
